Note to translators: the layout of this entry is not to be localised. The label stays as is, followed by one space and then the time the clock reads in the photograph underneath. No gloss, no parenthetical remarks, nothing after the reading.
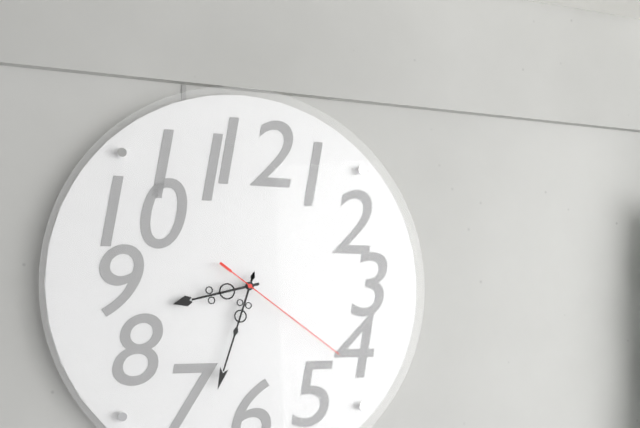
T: 8:33:21
